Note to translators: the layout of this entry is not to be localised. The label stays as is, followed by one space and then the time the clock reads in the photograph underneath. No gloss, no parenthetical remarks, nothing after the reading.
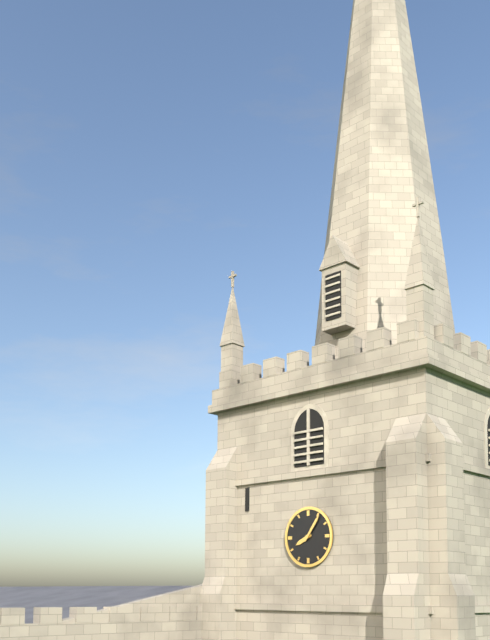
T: 8:06
